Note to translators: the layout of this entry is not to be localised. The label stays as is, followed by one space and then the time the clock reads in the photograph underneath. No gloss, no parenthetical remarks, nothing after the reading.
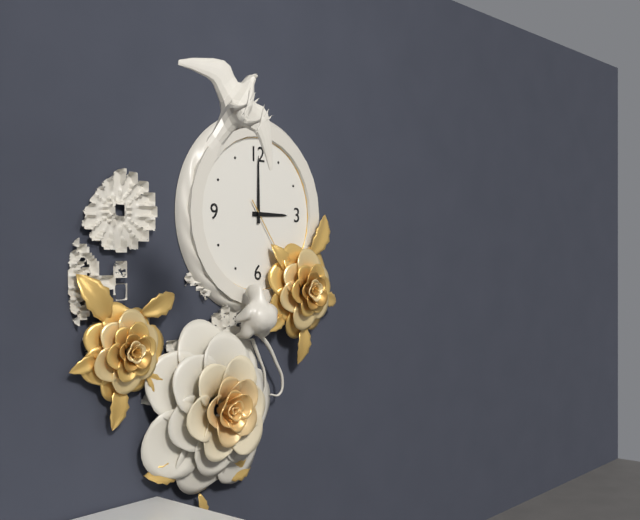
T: 3:00
